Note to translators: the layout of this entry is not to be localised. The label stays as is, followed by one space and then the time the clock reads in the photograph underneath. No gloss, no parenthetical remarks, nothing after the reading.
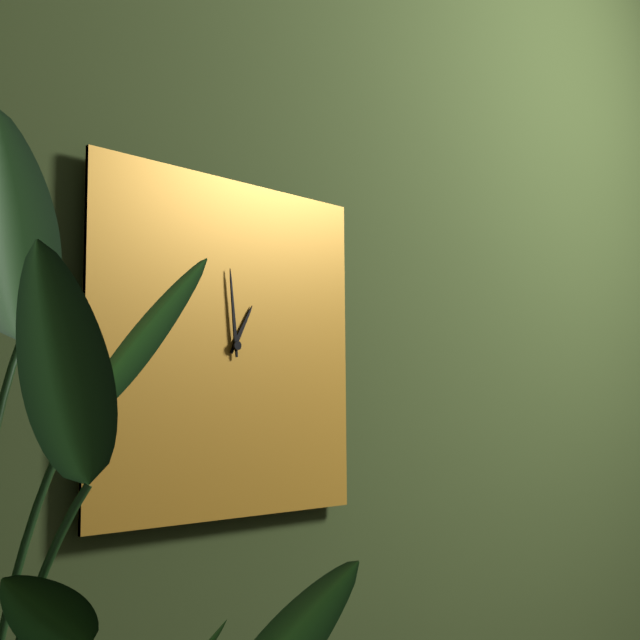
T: 12:59
